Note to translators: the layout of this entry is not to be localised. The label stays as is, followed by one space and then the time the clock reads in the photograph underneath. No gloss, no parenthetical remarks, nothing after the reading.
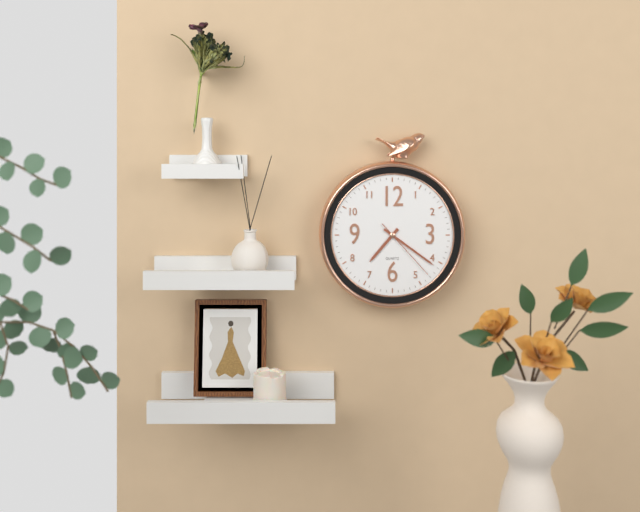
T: 7:21:23
